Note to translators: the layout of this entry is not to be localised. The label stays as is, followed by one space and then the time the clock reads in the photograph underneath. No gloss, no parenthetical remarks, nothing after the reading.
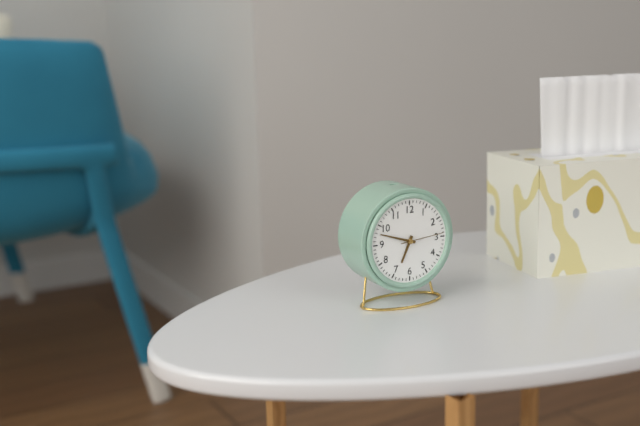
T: 6:48
